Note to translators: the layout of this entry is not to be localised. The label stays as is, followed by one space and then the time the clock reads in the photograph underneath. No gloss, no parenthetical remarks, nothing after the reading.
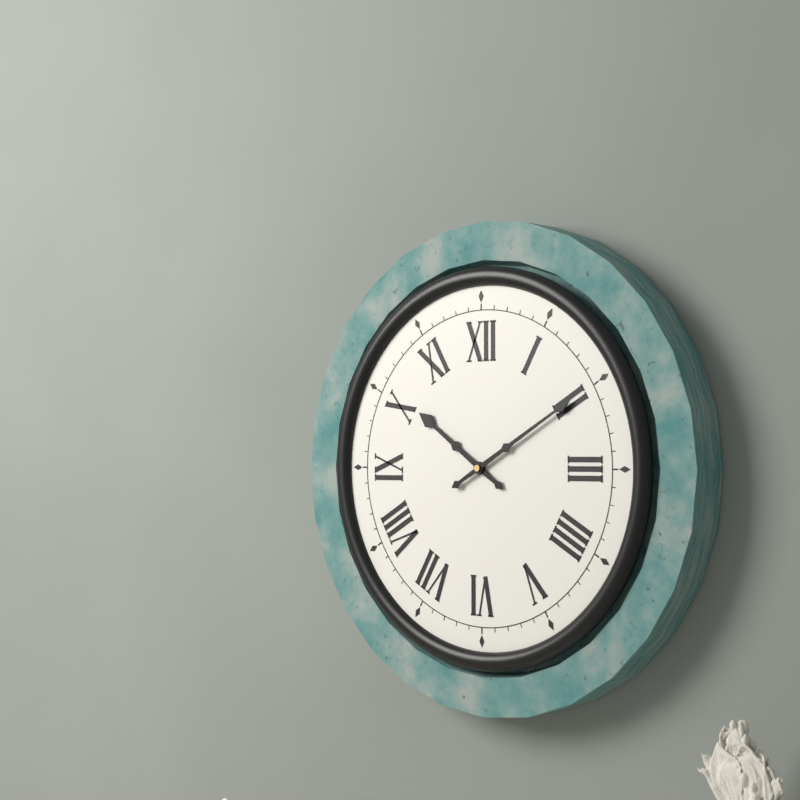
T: 10:10
